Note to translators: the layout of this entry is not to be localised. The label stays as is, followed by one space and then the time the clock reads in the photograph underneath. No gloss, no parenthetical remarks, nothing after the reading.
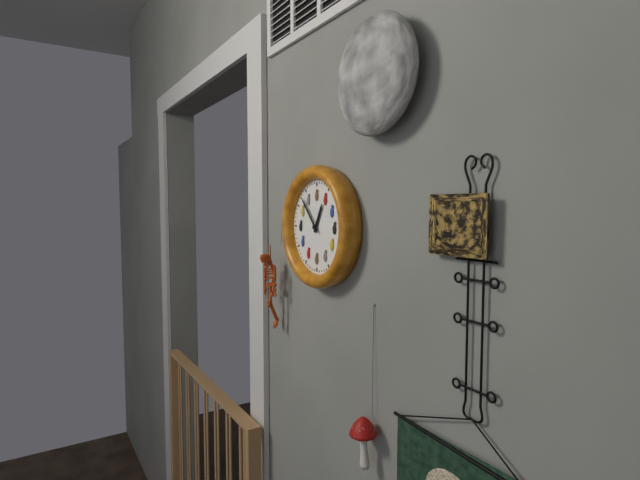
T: 12:53
